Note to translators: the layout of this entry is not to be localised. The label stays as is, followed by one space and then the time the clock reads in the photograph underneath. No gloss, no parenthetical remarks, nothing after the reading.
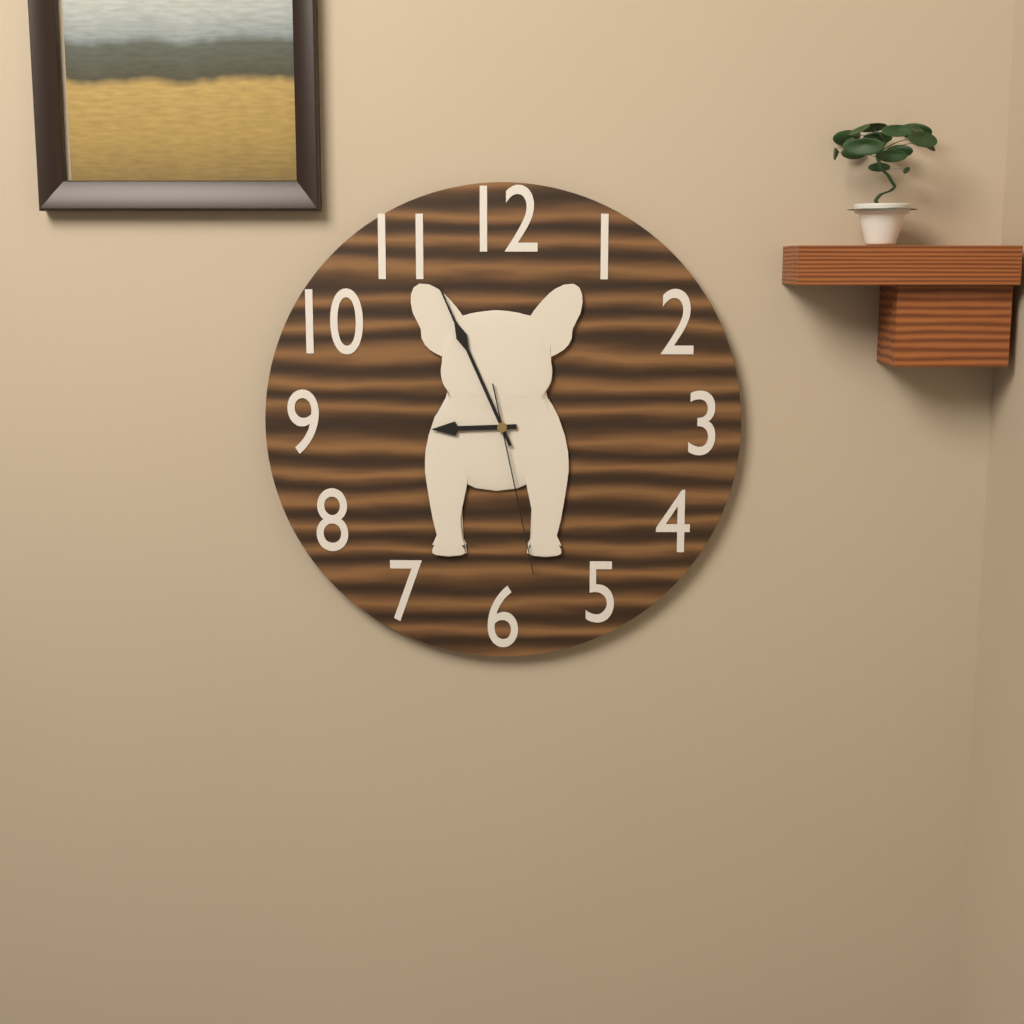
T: 8:56:28
